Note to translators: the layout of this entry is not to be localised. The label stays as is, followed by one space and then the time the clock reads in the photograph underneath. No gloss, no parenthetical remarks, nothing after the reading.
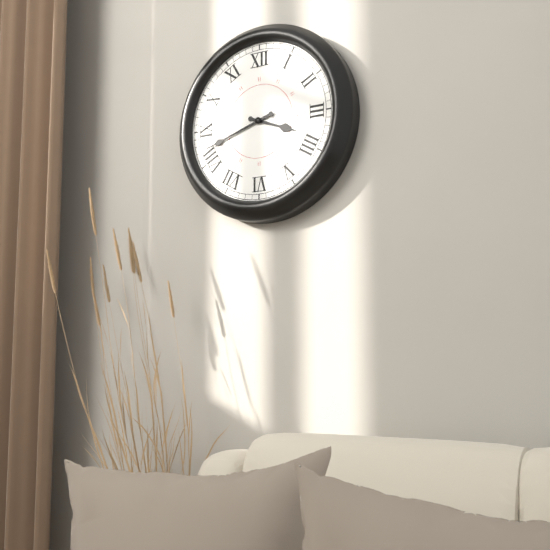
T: 3:42
